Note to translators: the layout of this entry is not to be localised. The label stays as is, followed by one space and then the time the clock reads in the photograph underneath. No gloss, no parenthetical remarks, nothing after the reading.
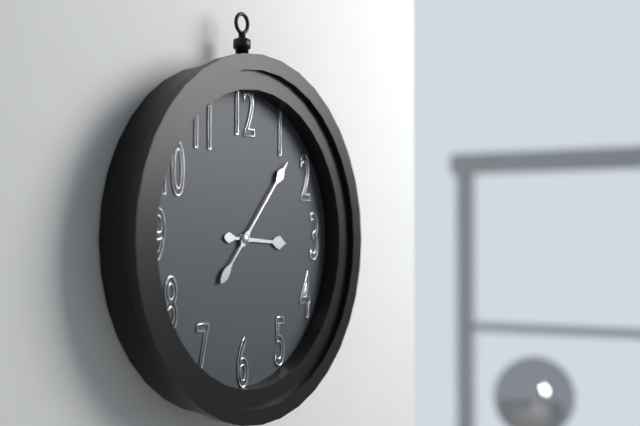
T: 3:07
